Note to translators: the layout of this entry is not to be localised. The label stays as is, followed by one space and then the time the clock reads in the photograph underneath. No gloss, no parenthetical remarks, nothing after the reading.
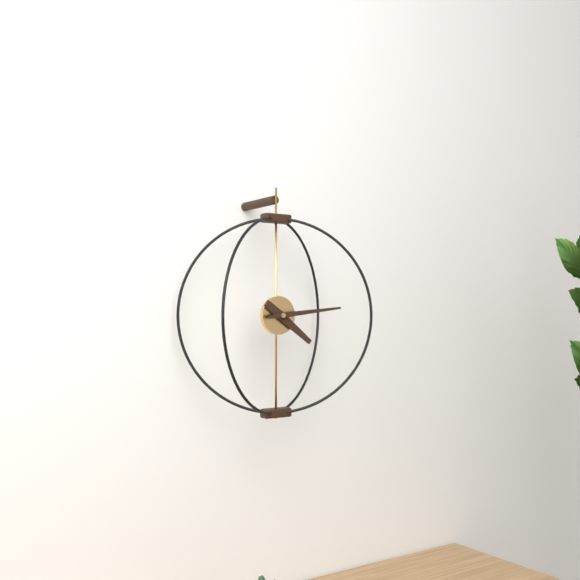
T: 4:14
